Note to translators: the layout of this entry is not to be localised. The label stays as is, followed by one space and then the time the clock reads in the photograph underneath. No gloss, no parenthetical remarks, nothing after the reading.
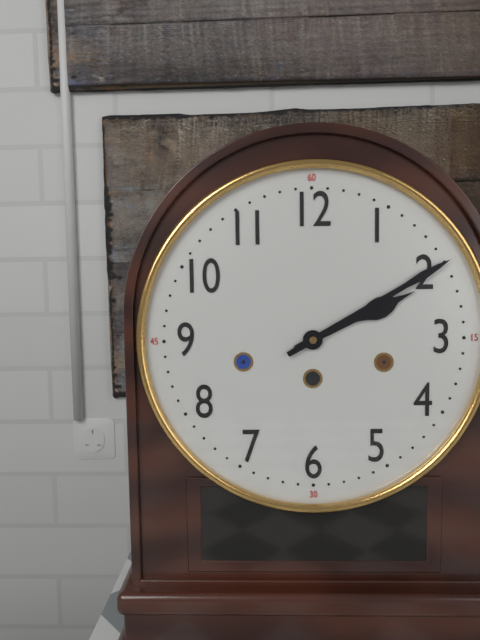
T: 2:10
